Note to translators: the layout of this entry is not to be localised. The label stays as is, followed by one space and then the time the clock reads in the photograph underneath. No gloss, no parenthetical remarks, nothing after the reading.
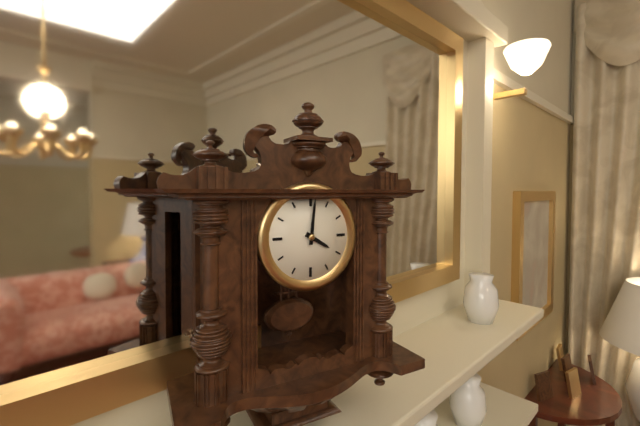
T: 4:01
